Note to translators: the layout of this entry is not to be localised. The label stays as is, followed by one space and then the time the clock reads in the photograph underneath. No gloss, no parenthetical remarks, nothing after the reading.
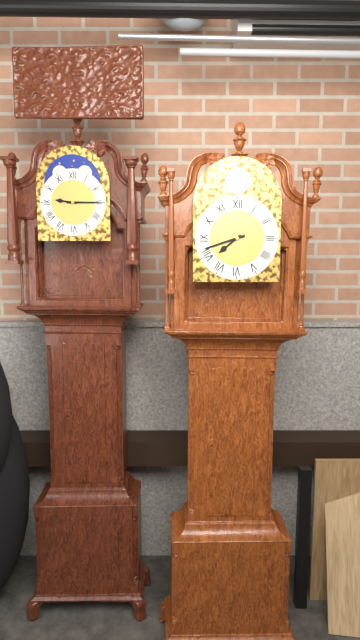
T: 7:42
